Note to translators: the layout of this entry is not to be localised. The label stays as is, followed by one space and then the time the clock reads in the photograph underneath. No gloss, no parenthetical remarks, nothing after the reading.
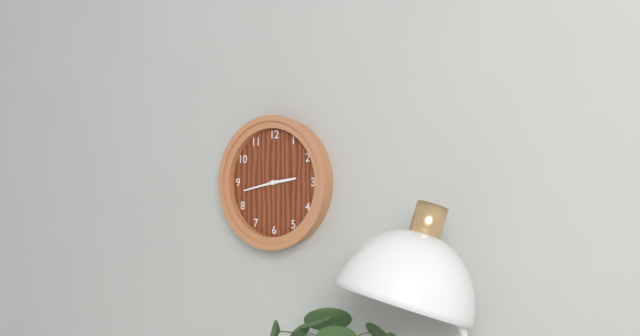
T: 2:43
